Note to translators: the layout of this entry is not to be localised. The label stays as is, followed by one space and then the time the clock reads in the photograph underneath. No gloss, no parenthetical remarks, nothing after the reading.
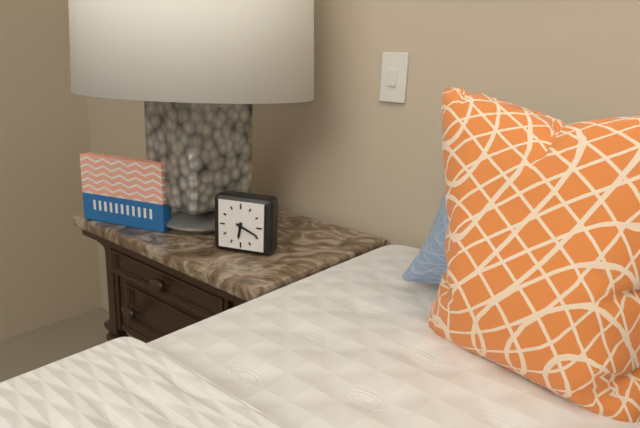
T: 6:19
